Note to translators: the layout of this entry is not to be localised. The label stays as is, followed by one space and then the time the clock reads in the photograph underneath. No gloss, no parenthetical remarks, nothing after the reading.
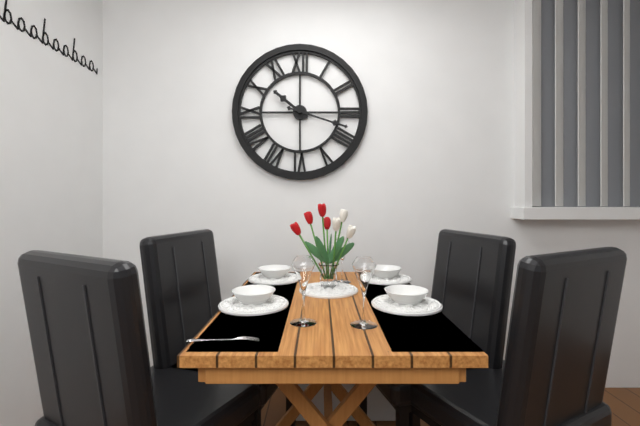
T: 10:18
